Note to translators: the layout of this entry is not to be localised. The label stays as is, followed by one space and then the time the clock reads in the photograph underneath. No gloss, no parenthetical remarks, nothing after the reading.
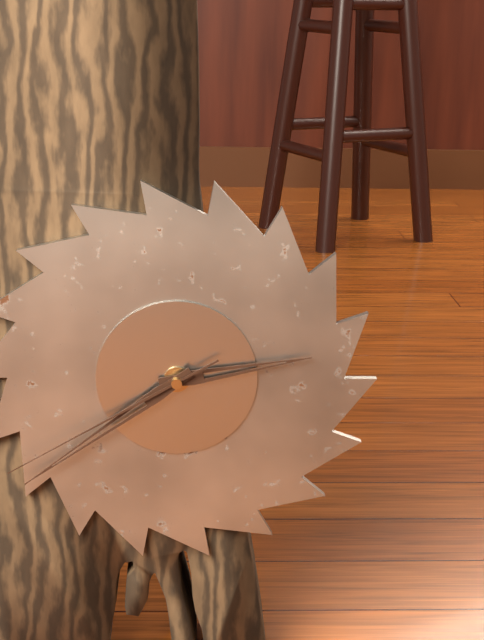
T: 2:39:40
